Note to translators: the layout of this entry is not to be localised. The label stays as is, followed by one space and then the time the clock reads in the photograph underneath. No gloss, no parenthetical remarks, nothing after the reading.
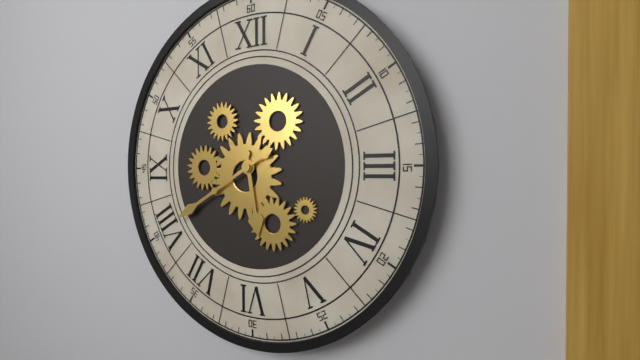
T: 5:40
